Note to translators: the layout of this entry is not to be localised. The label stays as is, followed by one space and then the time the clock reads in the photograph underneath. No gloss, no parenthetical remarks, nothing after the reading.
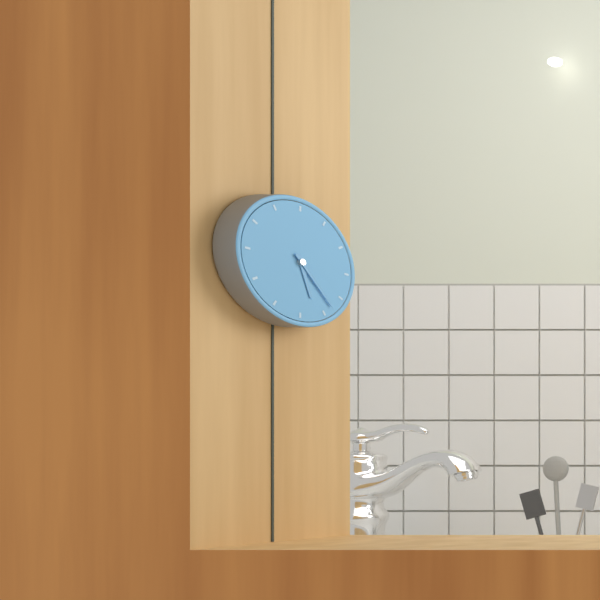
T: 5:23
